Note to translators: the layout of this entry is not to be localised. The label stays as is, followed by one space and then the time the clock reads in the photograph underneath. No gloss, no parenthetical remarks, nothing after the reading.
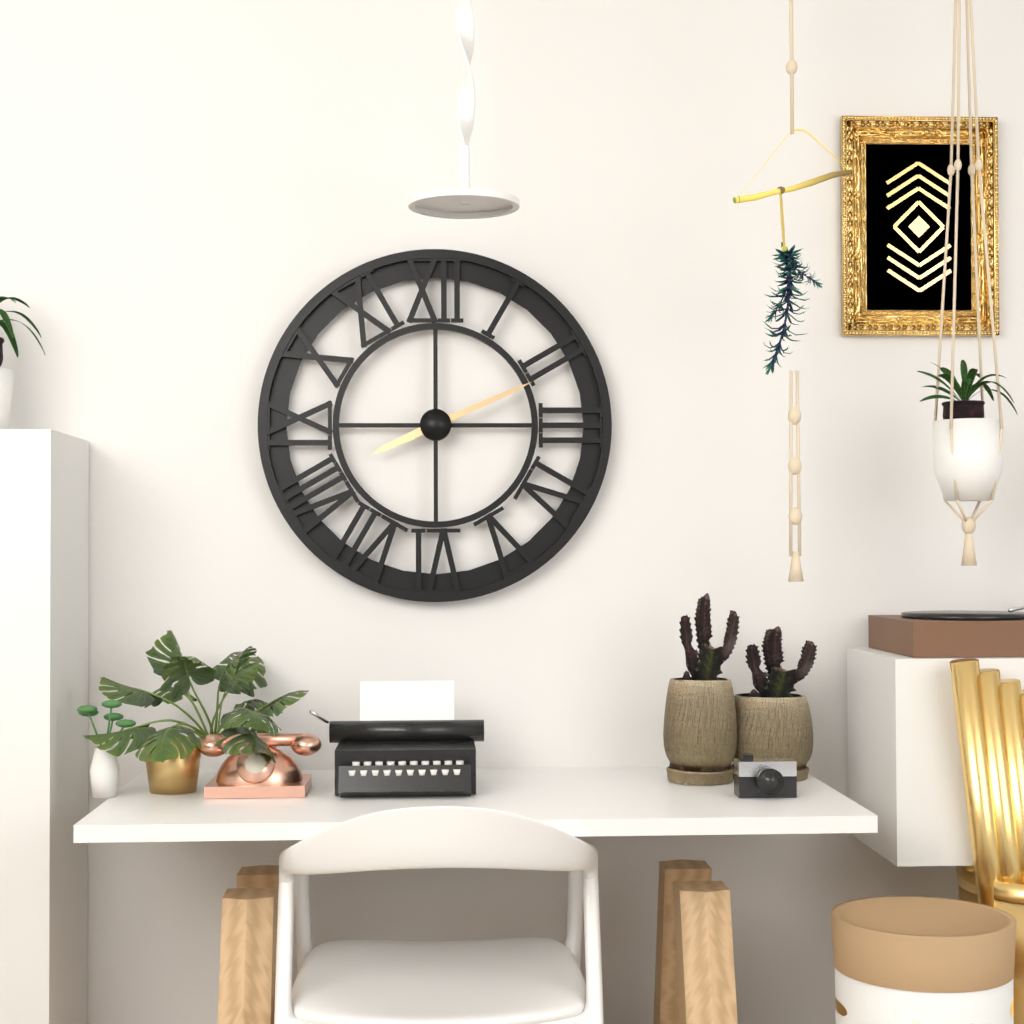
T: 8:11
